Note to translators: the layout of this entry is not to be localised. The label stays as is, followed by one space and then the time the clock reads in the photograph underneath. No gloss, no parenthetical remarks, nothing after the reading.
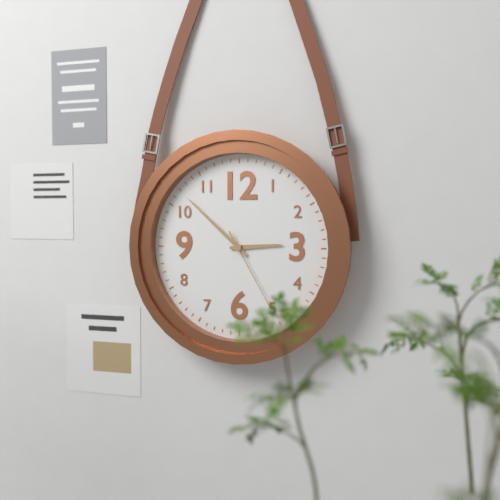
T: 2:52:25
